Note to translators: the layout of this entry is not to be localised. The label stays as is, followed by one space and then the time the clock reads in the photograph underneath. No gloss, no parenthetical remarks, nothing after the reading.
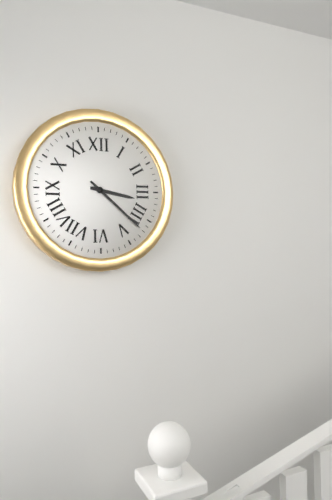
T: 3:22
